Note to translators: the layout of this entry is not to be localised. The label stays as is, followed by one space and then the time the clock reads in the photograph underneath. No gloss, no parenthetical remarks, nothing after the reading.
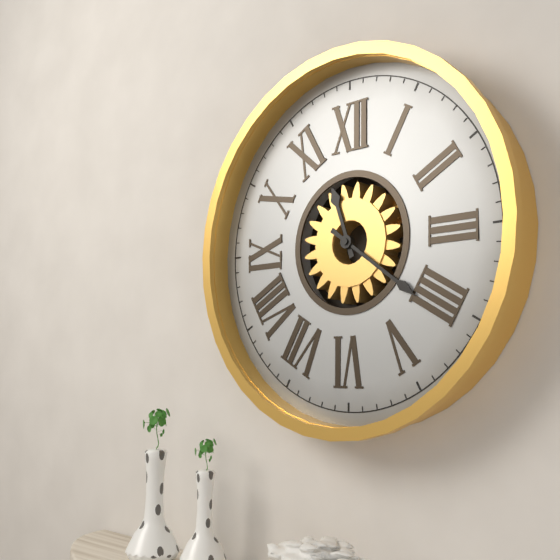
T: 11:21
